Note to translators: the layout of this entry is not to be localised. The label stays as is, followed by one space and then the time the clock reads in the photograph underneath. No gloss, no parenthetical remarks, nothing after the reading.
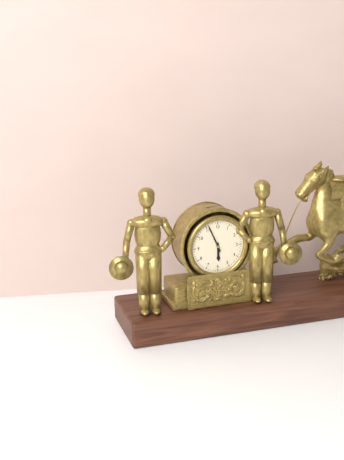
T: 5:56
